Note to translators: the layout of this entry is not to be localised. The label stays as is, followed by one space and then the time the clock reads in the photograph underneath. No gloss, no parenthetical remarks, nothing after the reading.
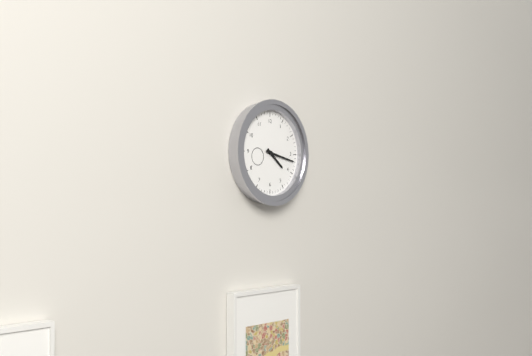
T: 4:17
